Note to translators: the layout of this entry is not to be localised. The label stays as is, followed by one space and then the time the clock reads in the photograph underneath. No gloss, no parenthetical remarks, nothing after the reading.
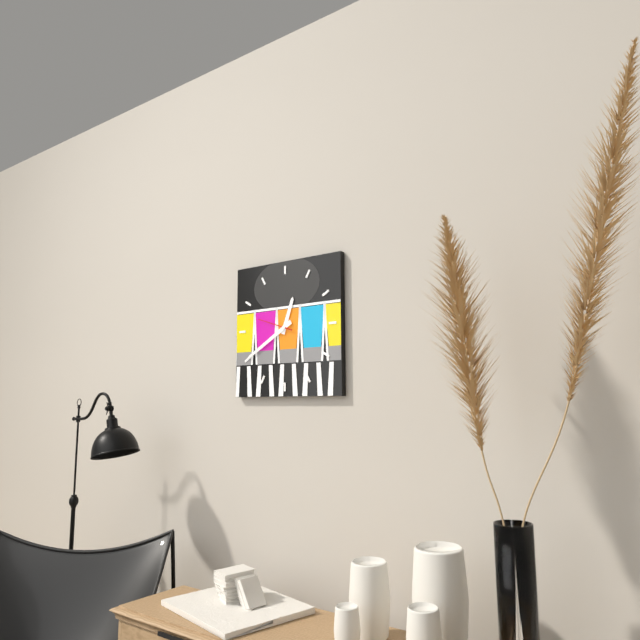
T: 12:40
